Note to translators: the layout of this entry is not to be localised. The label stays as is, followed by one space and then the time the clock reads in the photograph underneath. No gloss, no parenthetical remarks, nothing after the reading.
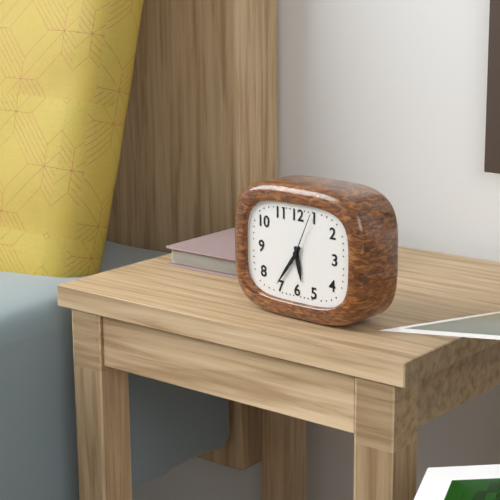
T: 5:36:04
